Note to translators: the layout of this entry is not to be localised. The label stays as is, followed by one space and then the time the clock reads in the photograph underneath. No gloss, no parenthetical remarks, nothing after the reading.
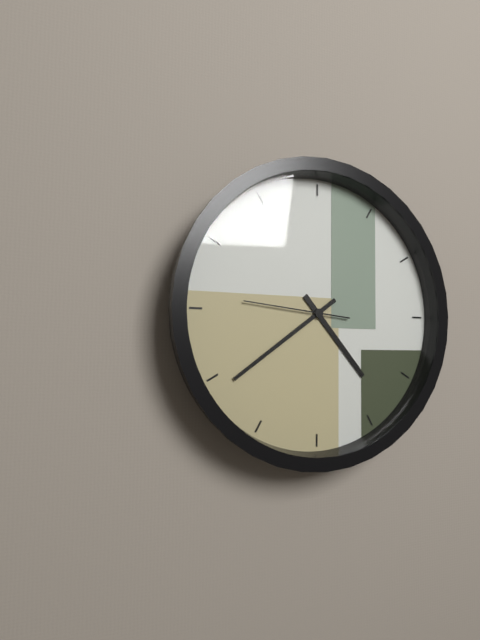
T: 4:39:46
